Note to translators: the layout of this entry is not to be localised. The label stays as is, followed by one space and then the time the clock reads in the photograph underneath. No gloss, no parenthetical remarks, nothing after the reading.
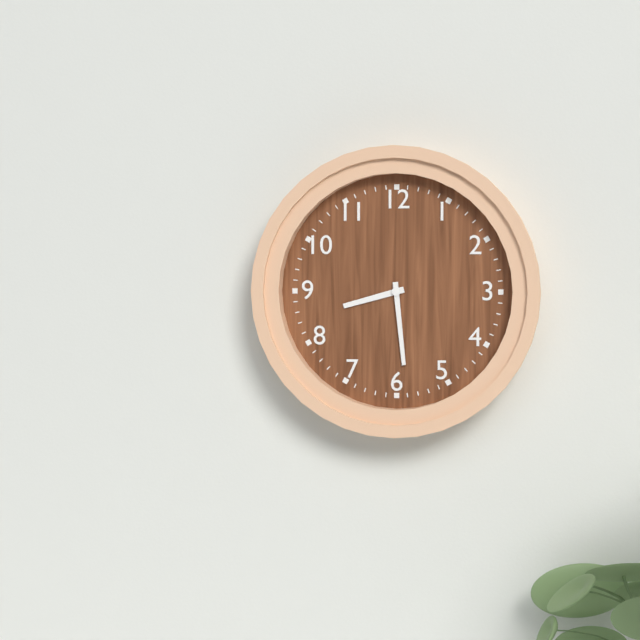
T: 8:29
